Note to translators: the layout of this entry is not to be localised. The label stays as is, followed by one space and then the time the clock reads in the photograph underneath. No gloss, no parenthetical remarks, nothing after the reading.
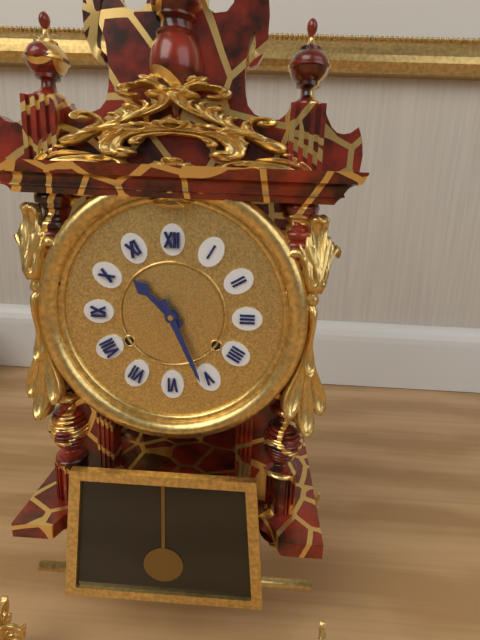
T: 10:26
